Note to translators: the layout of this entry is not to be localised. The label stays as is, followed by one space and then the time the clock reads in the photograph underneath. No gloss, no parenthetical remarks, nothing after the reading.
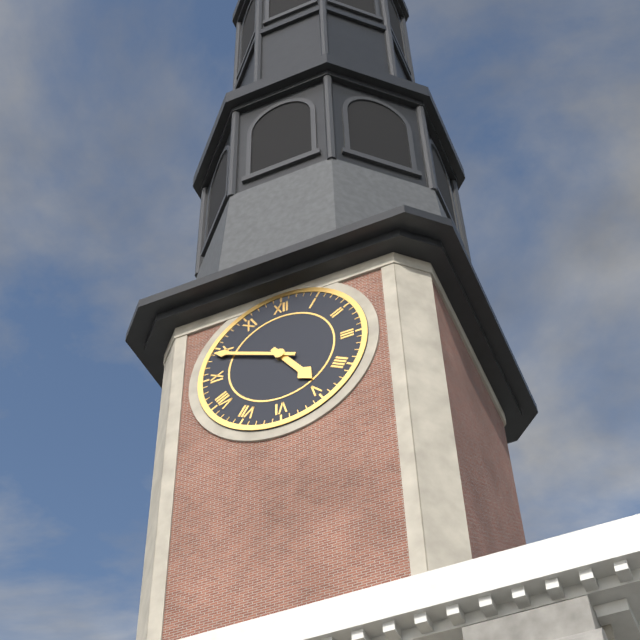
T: 4:49
